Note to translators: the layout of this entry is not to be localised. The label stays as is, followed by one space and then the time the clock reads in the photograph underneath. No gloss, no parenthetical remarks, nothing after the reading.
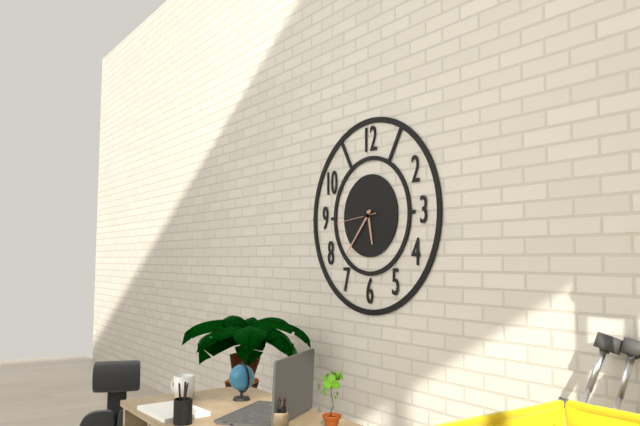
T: 5:37
